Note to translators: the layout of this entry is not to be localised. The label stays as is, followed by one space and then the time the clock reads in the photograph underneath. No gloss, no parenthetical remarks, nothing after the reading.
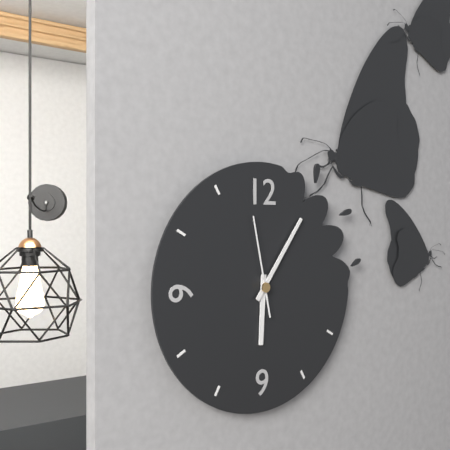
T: 6:06:58
